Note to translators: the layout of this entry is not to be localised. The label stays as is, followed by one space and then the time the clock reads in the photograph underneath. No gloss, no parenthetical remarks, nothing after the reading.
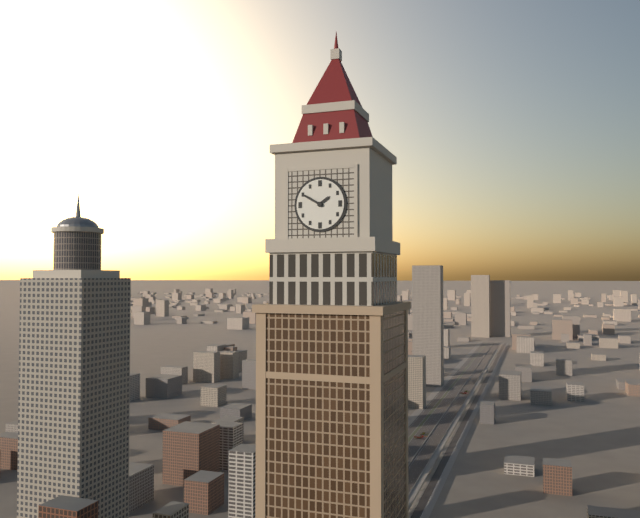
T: 1:50
